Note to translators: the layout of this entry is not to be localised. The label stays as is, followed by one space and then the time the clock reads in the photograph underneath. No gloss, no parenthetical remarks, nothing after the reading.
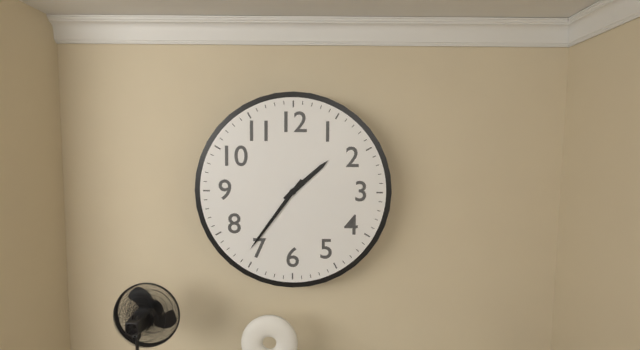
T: 1:36
